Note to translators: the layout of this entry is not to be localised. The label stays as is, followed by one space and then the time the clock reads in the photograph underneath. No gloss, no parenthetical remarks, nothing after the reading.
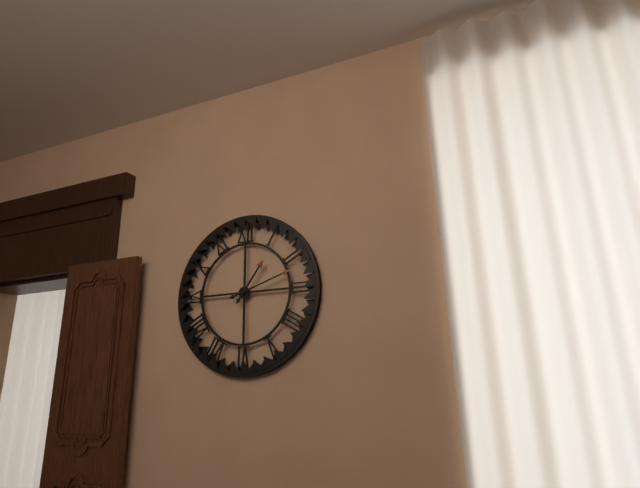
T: 1:12
